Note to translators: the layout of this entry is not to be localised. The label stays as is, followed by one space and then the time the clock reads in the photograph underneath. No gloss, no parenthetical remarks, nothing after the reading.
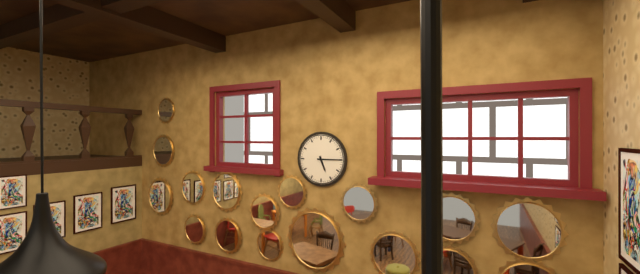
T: 5:15
